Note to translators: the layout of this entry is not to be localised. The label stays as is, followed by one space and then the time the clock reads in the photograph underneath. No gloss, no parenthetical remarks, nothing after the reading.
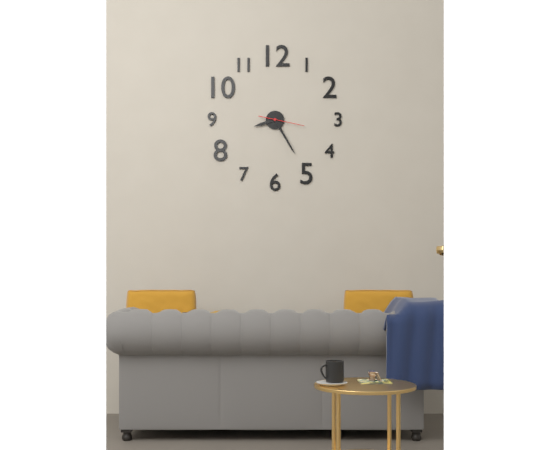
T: 8:25
